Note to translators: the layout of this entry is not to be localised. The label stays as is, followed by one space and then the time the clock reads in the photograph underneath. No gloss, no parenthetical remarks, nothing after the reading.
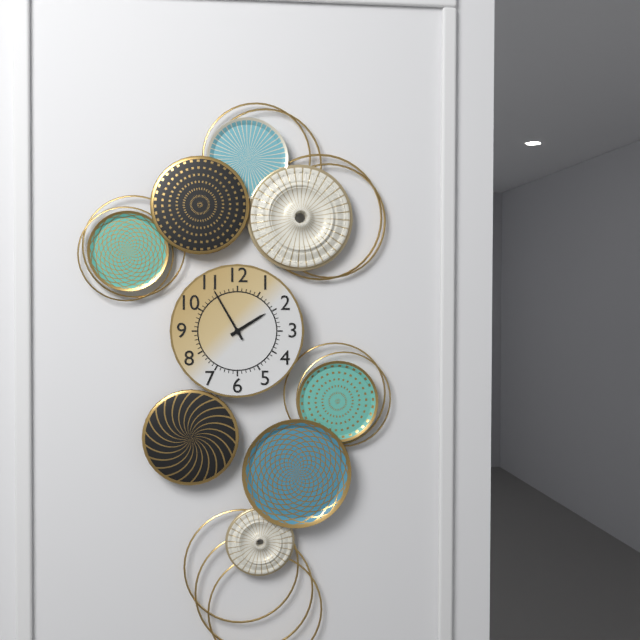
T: 1:55
